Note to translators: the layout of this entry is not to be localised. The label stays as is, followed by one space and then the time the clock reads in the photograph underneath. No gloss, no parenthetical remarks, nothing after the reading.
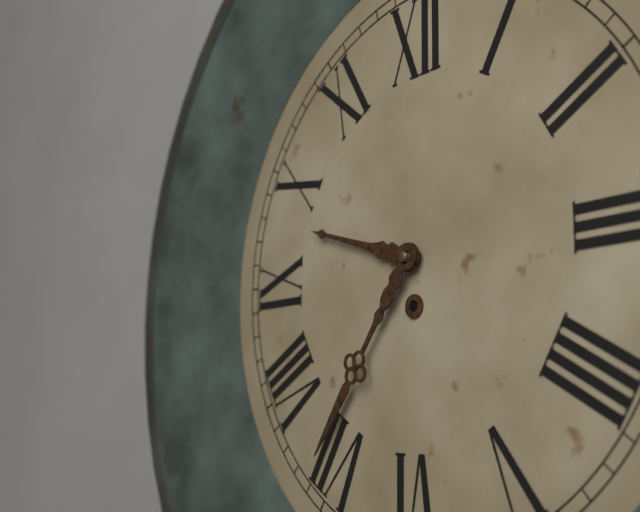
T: 9:36
